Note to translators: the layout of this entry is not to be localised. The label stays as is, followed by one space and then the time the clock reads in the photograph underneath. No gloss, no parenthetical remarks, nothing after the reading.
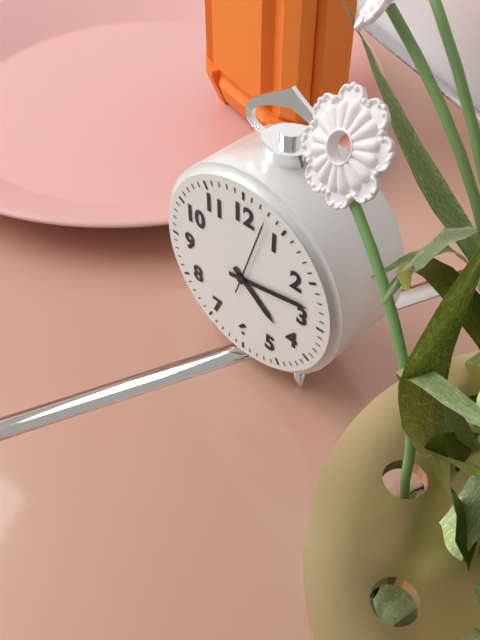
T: 4:13:03
